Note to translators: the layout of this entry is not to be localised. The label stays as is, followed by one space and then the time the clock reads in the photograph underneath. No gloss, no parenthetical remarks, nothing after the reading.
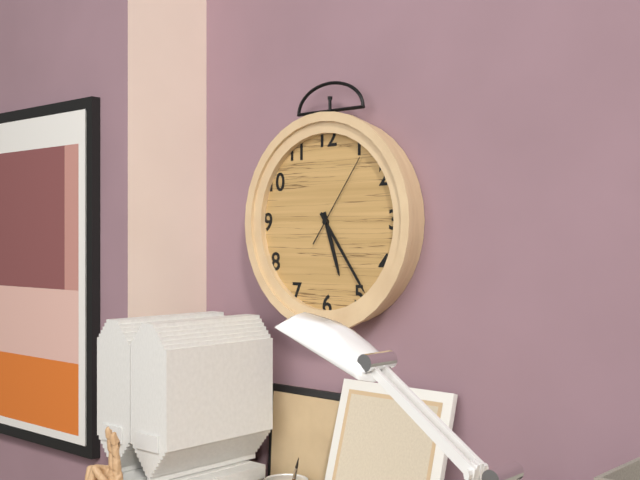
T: 5:24:06
